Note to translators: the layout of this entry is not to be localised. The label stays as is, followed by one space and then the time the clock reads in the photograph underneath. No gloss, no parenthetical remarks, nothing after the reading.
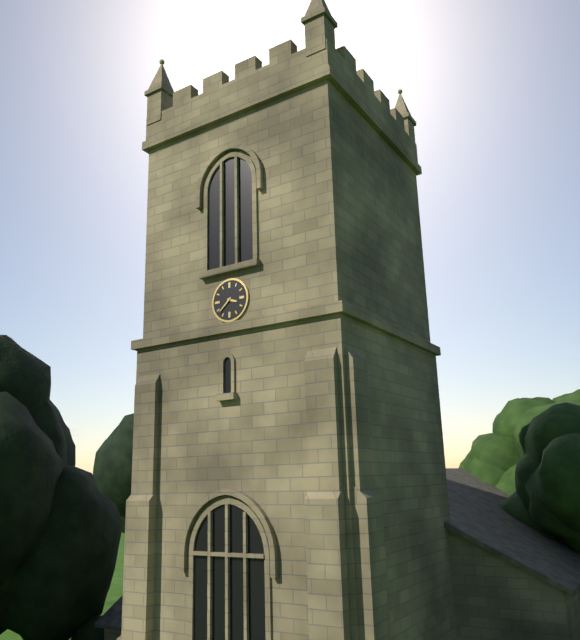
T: 3:38
